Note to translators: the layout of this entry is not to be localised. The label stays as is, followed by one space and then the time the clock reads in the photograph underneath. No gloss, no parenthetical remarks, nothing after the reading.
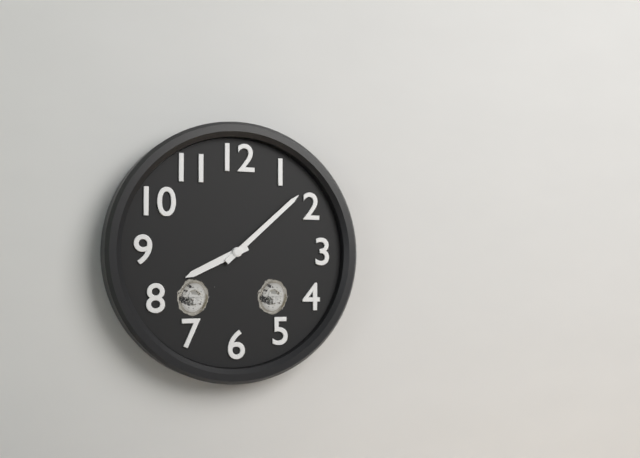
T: 8:08
